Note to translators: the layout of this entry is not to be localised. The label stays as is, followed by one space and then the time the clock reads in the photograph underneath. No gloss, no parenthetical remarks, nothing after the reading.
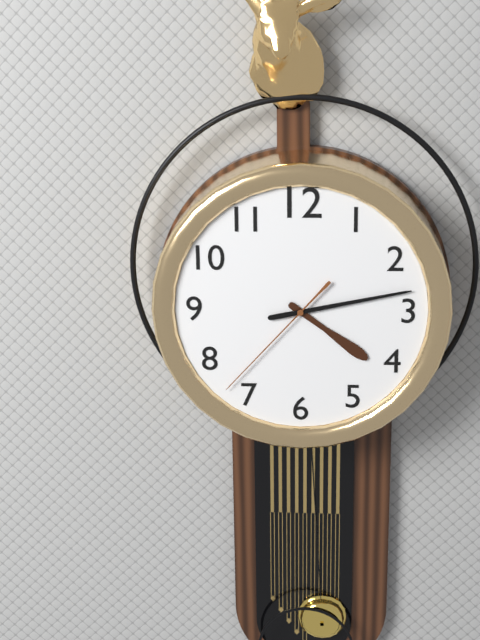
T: 4:13:37
